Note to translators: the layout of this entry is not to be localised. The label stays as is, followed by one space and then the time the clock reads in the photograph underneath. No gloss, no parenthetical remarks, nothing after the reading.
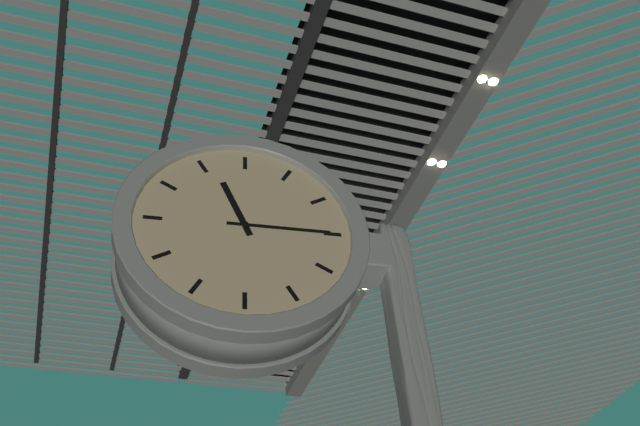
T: 11:15
